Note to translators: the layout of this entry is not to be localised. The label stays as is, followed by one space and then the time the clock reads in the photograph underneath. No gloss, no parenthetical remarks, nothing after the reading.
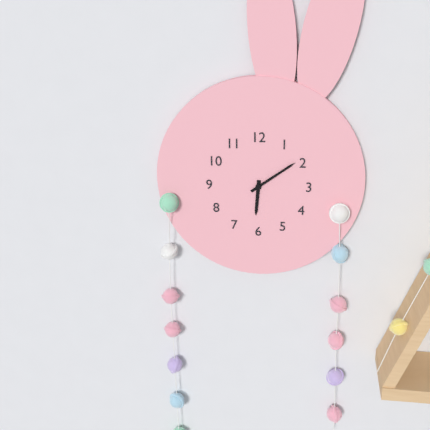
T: 6:09
